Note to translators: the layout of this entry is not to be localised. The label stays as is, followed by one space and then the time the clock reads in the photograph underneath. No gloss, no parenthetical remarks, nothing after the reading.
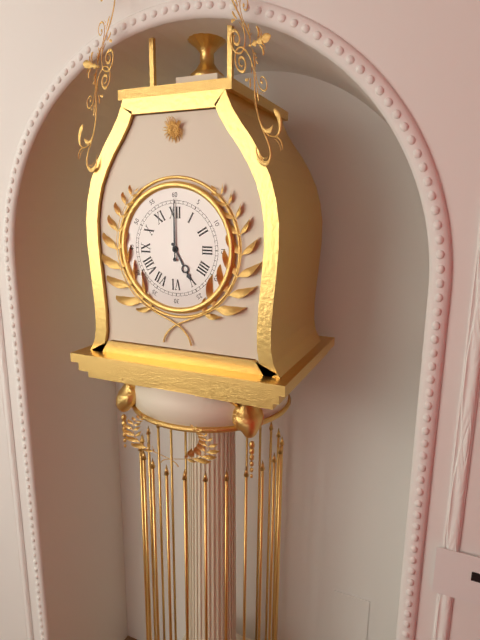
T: 5:00
